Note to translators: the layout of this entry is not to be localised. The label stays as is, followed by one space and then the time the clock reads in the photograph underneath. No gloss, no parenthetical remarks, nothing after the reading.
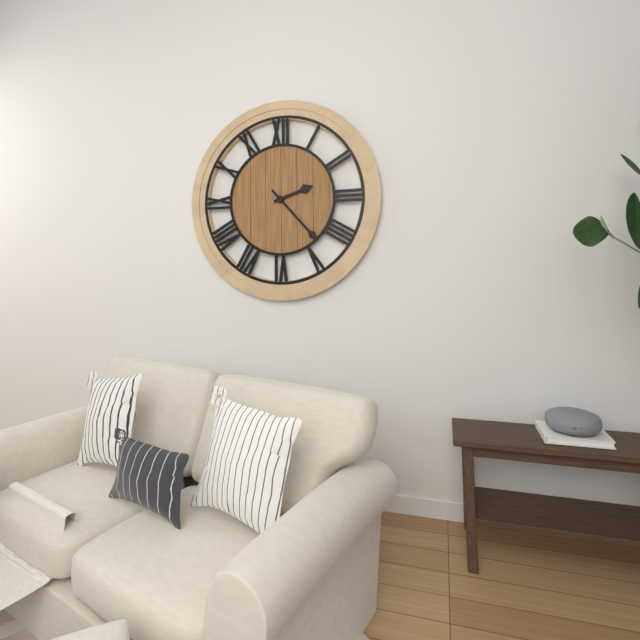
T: 2:23
